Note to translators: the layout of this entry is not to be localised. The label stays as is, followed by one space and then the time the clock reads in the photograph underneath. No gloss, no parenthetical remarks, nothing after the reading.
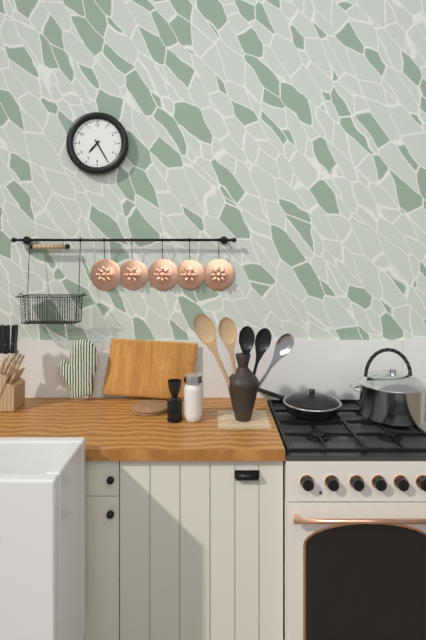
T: 7:25
